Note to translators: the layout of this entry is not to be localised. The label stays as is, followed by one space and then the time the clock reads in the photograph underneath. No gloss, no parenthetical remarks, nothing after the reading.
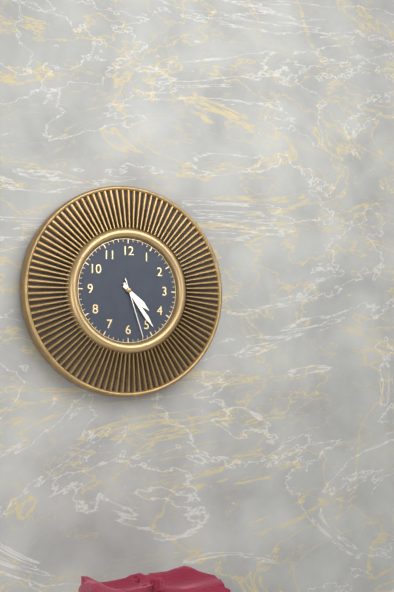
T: 4:24:27
